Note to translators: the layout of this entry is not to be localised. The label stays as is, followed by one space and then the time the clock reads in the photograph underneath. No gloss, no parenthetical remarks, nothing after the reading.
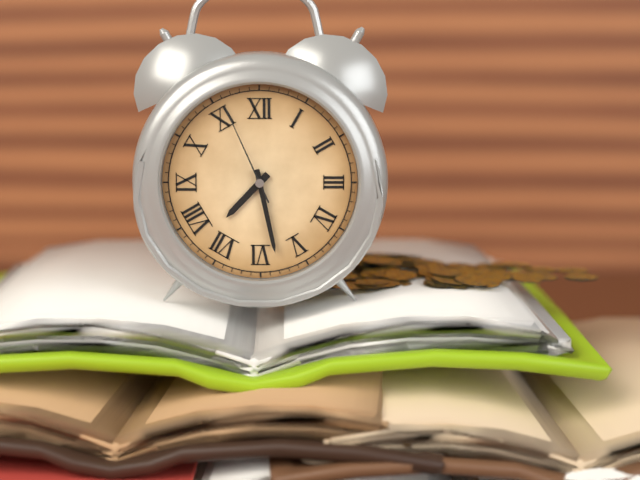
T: 7:28:56
